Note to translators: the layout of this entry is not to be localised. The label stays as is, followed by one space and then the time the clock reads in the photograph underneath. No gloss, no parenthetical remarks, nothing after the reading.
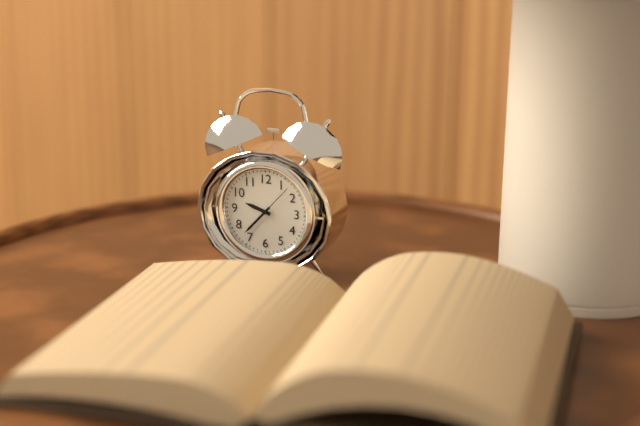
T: 9:37
